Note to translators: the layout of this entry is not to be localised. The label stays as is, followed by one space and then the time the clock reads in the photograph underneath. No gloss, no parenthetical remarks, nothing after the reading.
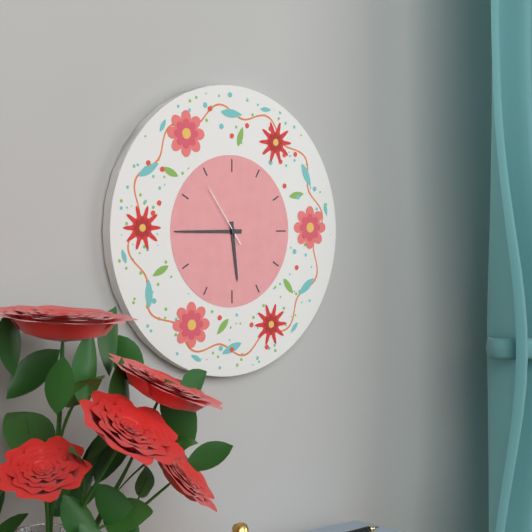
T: 5:45:54
